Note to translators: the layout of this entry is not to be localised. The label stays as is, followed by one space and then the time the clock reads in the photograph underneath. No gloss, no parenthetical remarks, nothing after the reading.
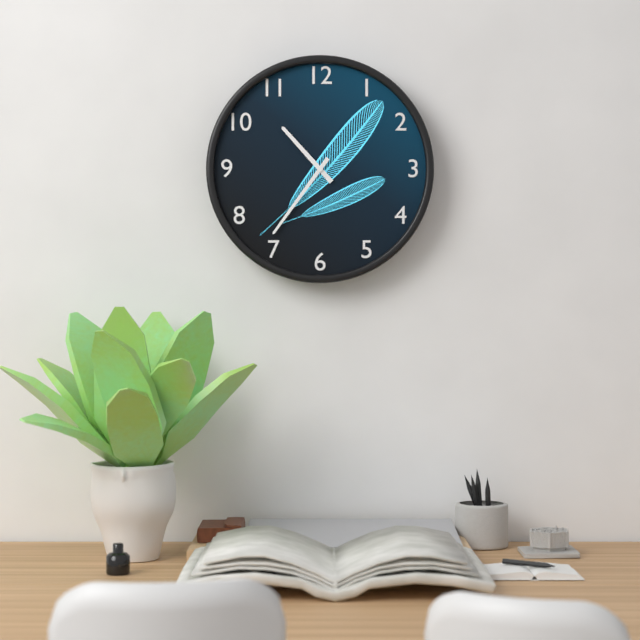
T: 10:36
